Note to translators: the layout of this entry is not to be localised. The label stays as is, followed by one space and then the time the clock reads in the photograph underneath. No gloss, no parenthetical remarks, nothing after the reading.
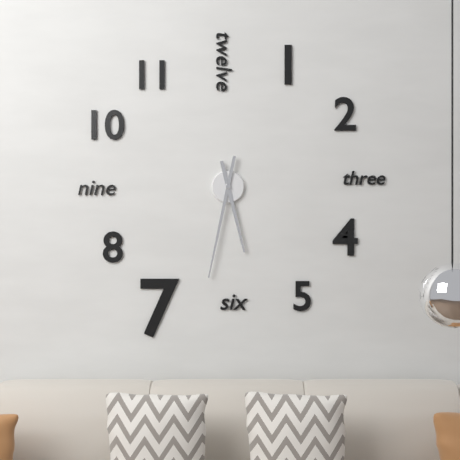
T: 5:32
